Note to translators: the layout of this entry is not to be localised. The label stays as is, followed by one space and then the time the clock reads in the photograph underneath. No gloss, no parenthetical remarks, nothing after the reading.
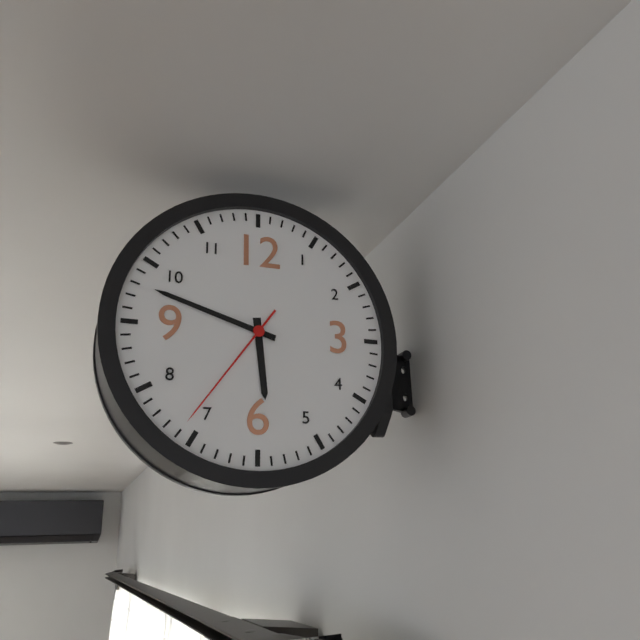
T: 5:48:36
